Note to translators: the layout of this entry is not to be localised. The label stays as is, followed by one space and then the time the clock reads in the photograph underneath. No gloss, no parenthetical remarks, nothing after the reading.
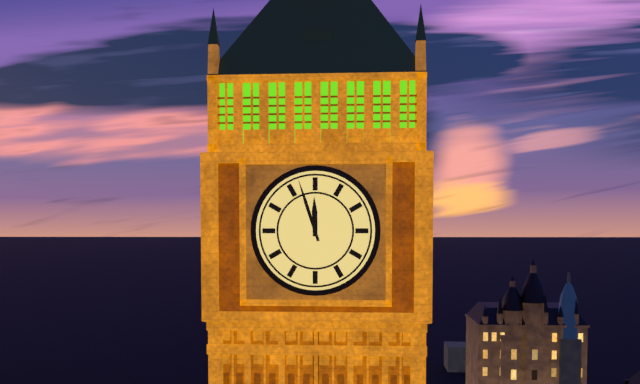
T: 11:57
